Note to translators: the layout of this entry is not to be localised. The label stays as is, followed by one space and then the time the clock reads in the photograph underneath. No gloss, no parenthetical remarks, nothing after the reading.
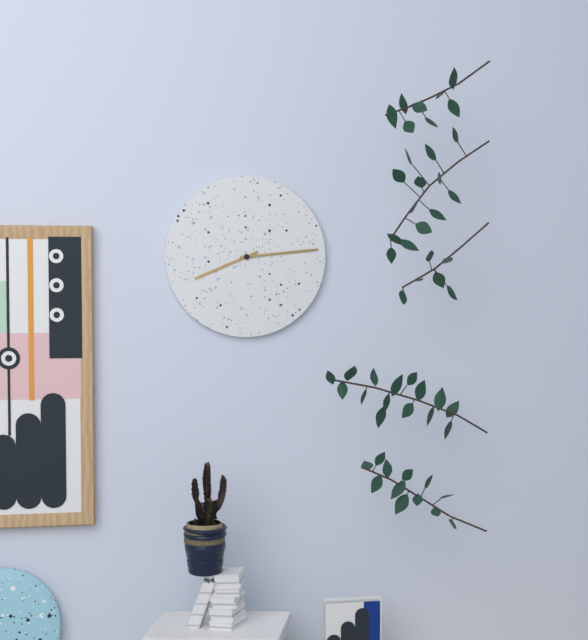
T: 8:14
